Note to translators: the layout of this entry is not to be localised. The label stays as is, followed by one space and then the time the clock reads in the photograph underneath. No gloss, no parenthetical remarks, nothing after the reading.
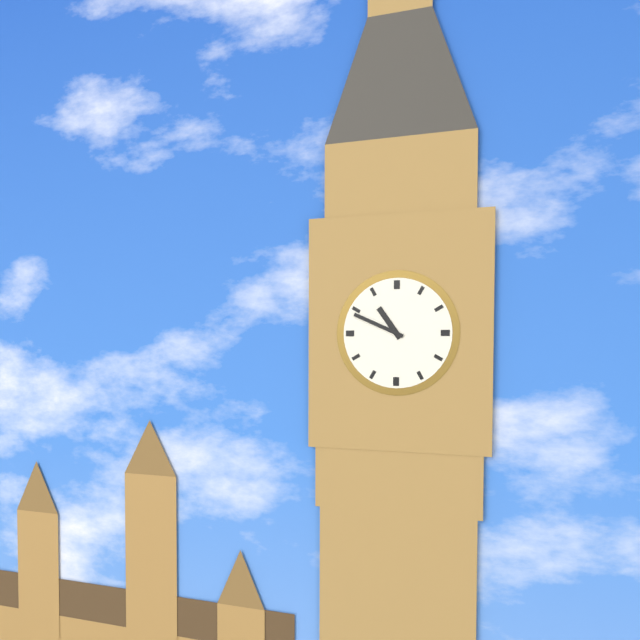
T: 10:49
